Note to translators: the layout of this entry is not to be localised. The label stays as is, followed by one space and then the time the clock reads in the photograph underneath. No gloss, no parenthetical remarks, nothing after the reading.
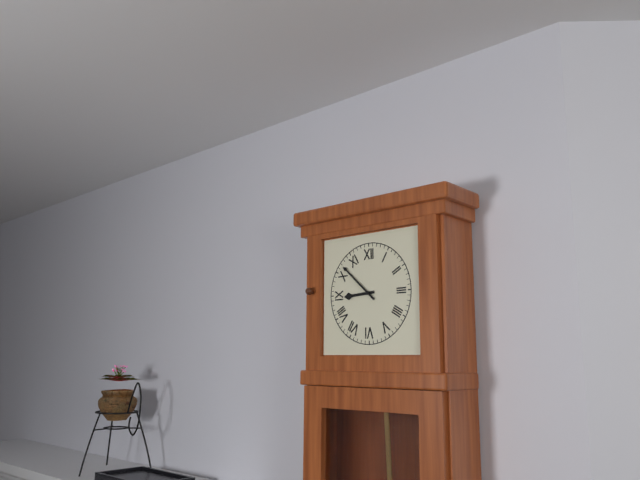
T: 8:52
